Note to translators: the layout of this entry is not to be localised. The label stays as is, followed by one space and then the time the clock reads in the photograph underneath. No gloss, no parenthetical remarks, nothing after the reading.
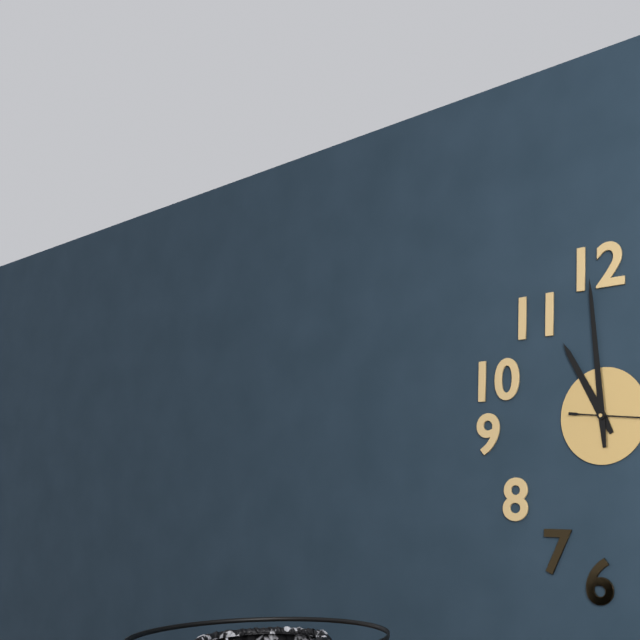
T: 10:59
